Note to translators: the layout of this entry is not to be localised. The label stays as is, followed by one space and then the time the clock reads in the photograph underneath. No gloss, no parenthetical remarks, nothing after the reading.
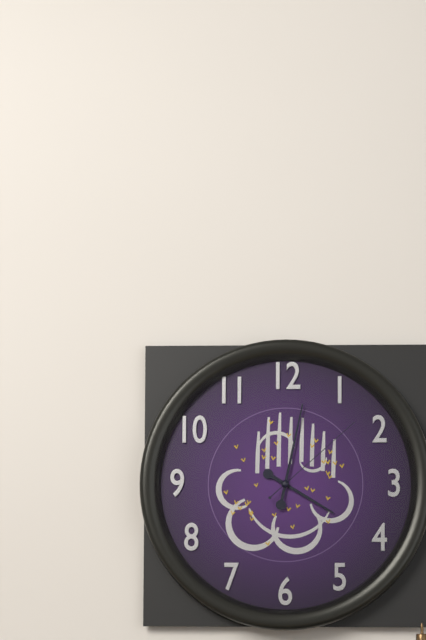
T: 4:02:08
